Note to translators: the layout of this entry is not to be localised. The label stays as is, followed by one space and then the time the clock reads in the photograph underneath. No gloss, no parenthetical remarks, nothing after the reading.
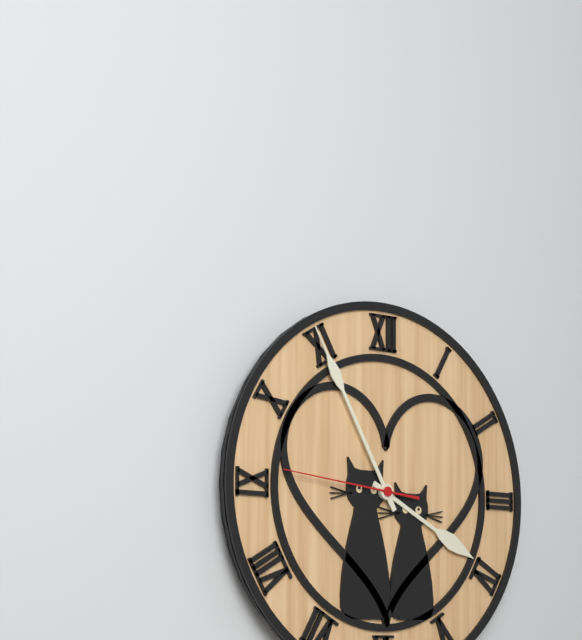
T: 3:55:46
